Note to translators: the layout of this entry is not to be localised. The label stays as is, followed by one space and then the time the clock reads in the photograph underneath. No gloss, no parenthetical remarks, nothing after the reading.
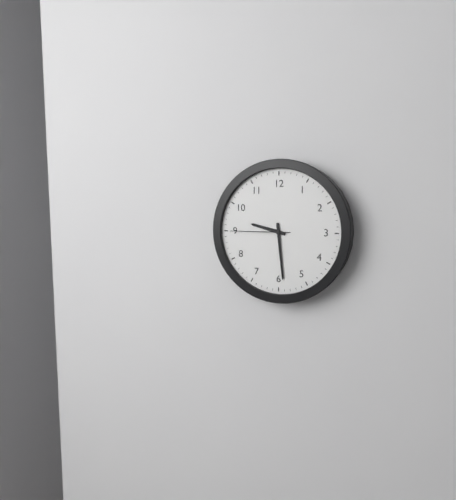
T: 9:29:45
